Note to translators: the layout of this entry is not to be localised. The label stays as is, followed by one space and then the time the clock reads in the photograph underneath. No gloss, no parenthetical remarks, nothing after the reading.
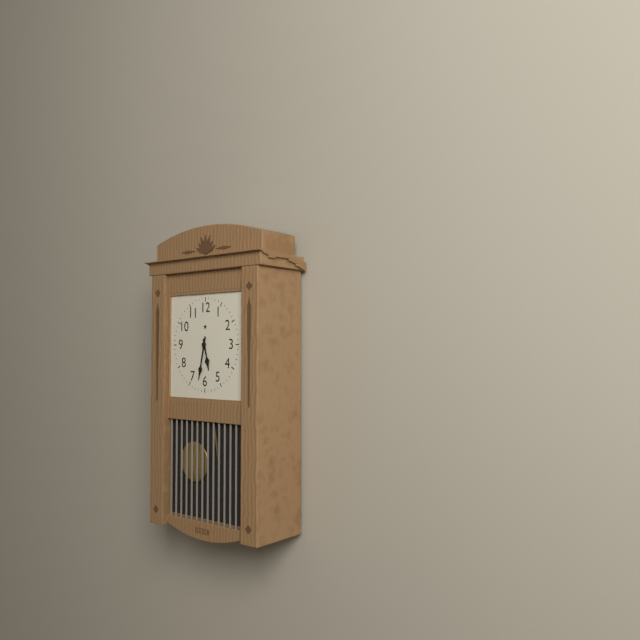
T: 5:32
